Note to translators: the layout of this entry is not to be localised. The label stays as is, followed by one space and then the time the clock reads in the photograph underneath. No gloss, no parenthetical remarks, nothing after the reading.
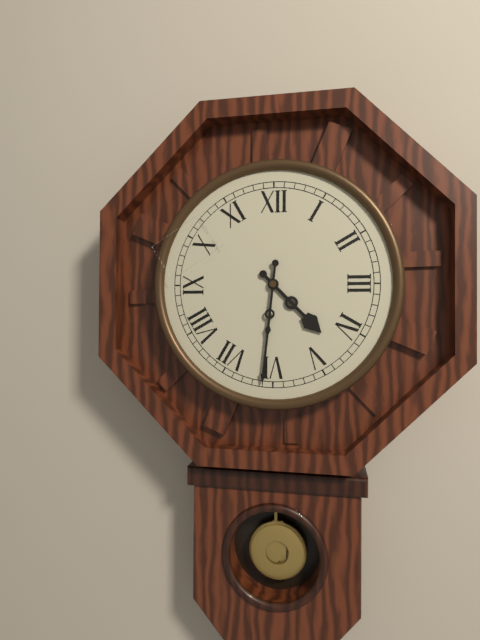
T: 4:31
